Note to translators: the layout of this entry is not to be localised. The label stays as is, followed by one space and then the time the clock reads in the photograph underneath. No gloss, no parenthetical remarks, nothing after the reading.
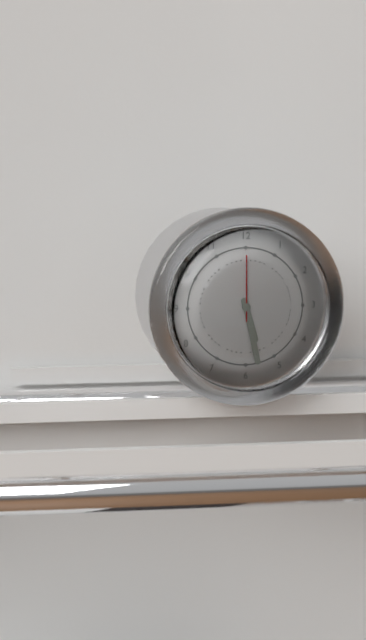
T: 5:28:00
